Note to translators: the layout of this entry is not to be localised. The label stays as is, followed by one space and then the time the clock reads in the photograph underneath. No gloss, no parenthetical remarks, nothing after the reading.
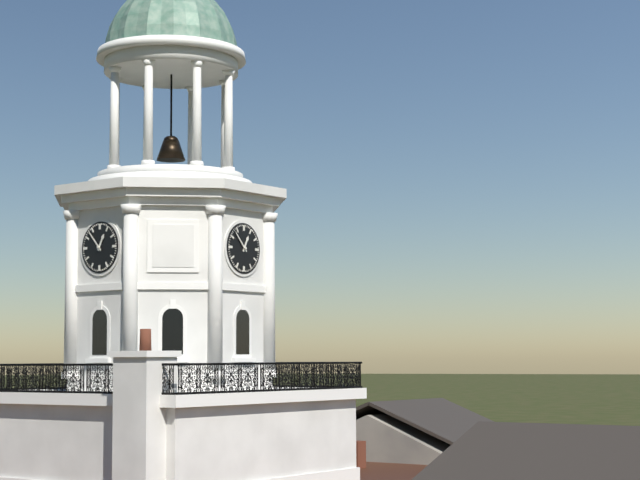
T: 12:53
